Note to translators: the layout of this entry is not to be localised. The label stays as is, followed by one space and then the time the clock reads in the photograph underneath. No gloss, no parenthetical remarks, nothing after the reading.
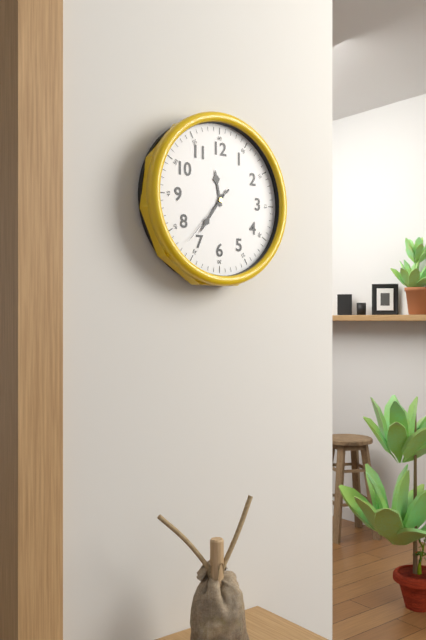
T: 11:36:37
